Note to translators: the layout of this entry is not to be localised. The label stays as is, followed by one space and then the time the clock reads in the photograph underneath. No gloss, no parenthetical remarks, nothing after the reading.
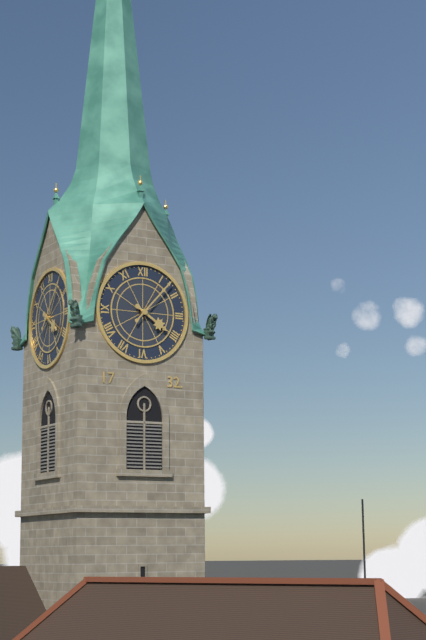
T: 4:07
